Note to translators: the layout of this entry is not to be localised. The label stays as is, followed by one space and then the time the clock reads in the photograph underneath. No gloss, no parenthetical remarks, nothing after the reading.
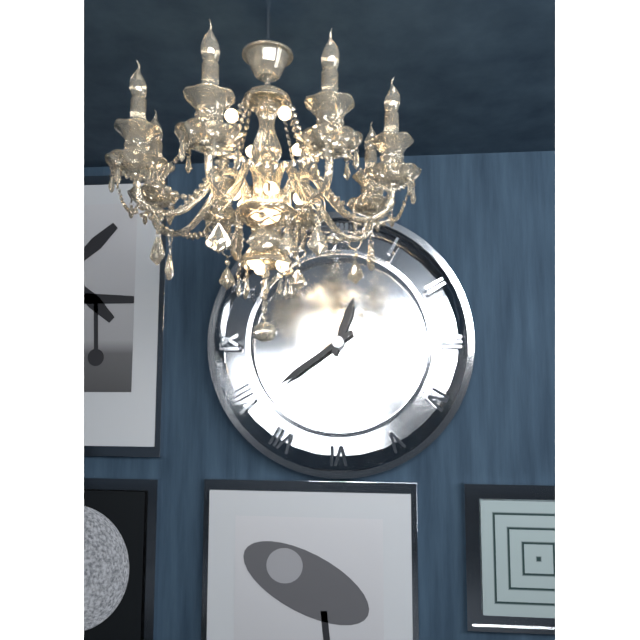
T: 12:39
